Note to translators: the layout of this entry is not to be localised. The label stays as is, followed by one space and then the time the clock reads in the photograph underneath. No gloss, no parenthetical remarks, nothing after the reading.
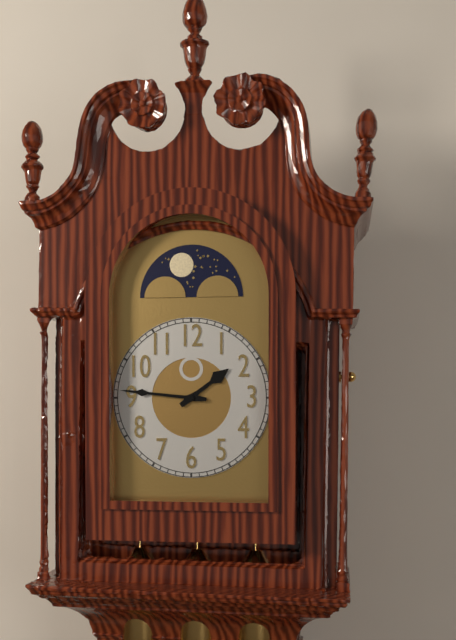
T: 1:46
